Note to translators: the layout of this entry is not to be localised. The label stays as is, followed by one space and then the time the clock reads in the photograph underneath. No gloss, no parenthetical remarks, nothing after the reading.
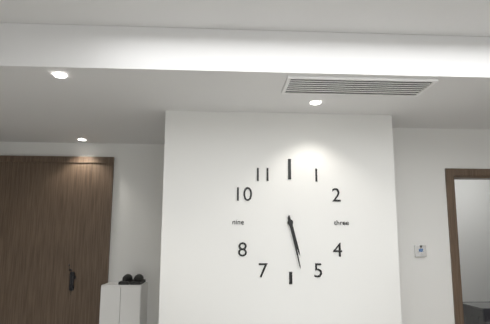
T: 5:28
